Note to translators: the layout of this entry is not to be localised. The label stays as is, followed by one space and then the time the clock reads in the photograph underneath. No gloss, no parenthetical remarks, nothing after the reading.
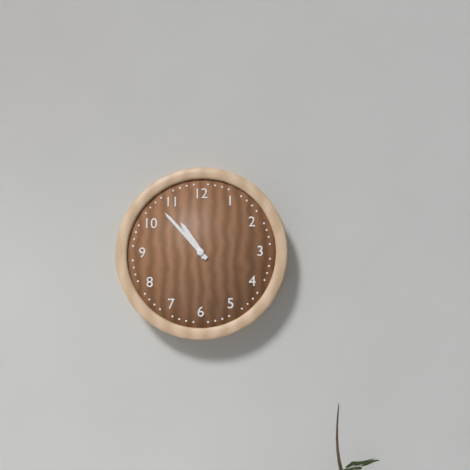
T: 10:53
